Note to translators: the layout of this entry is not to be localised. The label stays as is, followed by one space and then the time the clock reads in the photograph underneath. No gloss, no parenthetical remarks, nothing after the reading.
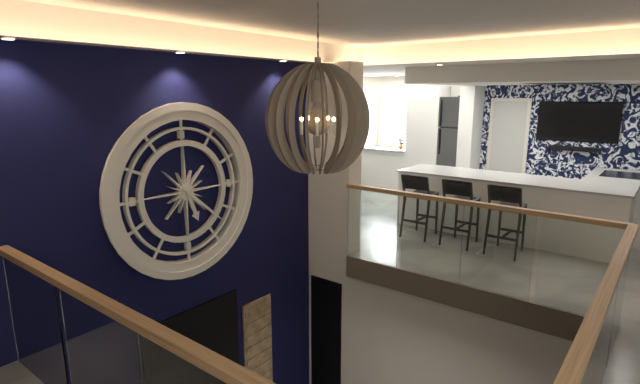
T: 5:22
